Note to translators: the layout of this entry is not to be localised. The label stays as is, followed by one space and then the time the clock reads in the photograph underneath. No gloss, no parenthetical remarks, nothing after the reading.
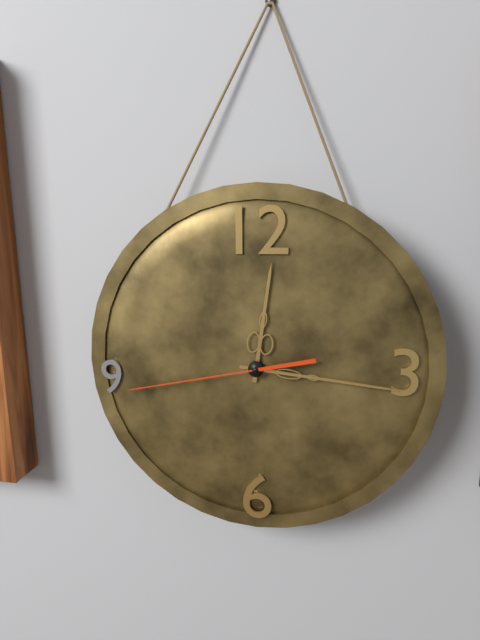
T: 12:16:43
